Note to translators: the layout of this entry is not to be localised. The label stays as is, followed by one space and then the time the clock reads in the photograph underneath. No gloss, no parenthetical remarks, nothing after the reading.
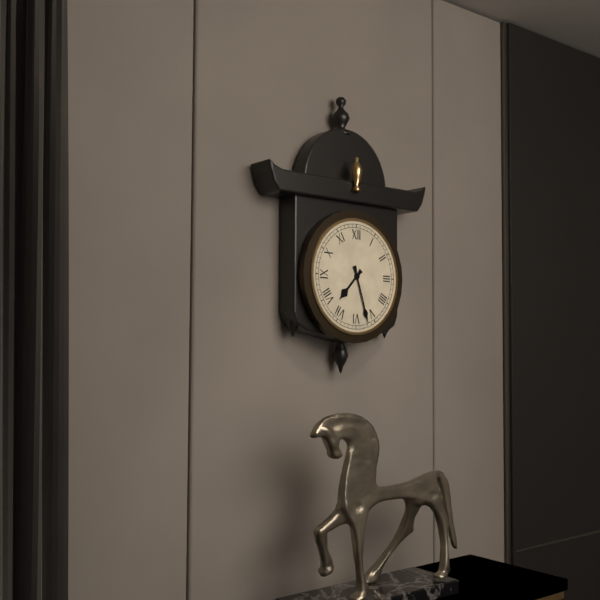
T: 7:27
